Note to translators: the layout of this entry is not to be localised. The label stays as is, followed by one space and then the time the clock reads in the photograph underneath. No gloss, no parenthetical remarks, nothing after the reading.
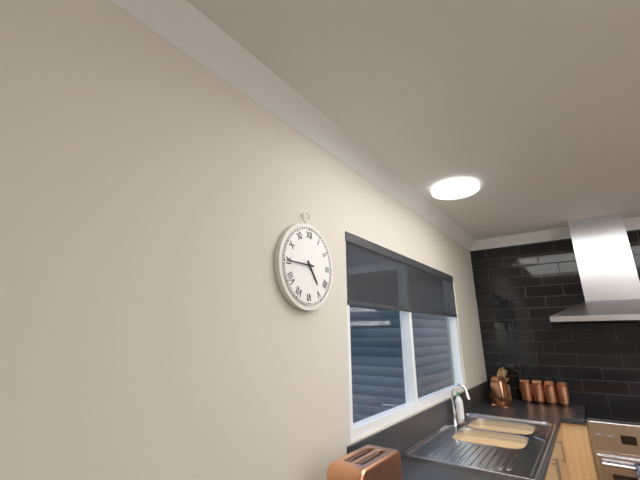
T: 4:45
